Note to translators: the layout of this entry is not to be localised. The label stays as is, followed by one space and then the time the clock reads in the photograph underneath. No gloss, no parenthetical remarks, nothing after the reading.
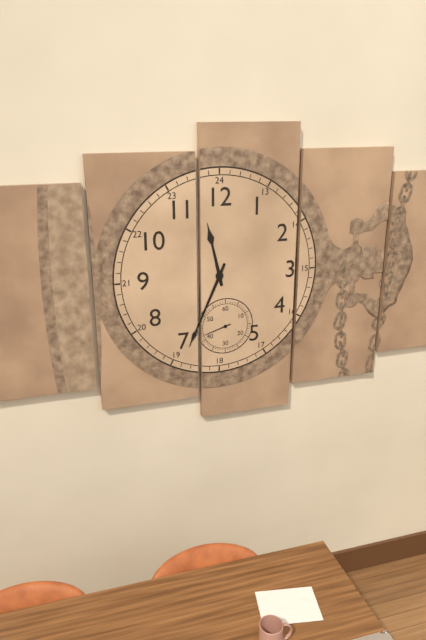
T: 11:34
